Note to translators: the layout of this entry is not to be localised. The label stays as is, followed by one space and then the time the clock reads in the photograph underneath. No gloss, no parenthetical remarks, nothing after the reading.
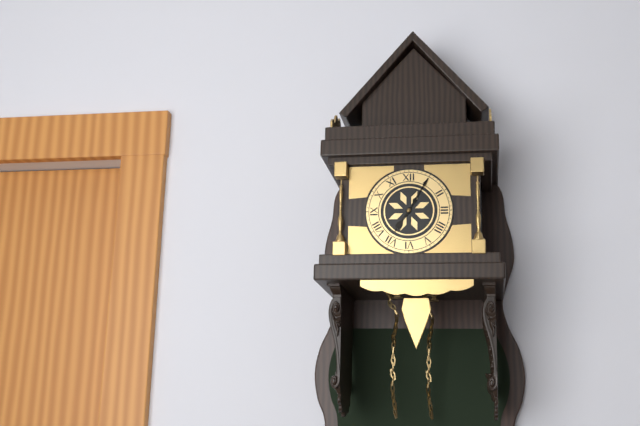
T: 7:05
